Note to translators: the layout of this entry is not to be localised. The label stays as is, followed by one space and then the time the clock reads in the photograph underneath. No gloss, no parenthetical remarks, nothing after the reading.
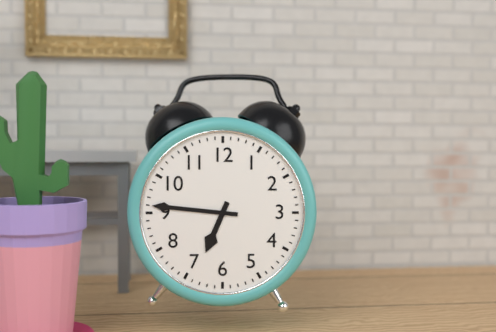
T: 6:46
